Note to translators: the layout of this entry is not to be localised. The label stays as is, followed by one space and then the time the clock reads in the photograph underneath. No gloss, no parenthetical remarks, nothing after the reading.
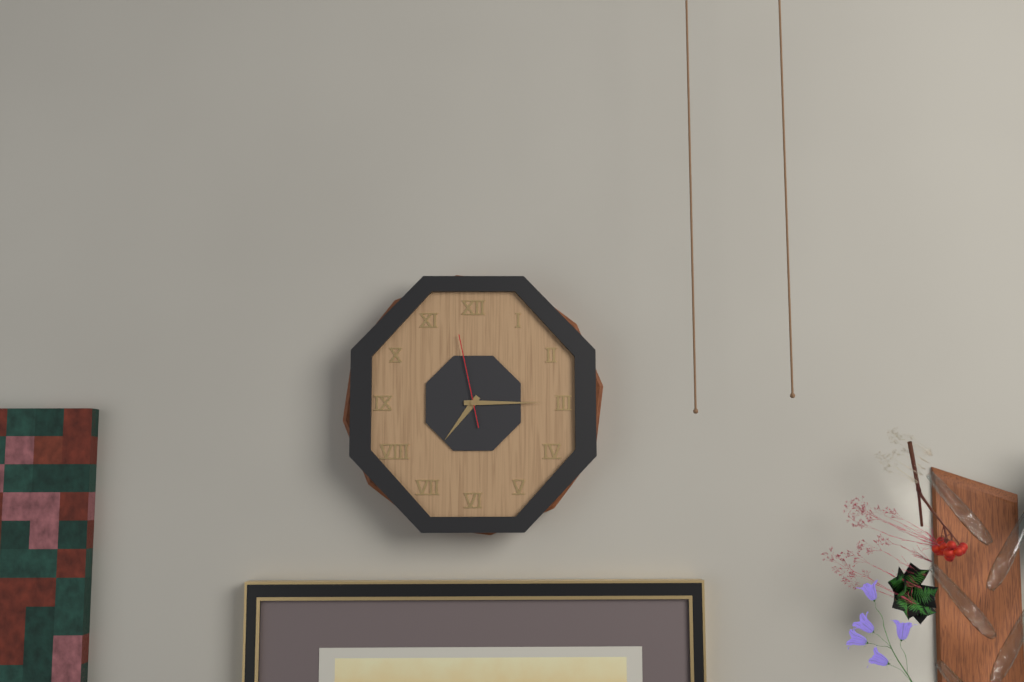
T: 7:15:58
